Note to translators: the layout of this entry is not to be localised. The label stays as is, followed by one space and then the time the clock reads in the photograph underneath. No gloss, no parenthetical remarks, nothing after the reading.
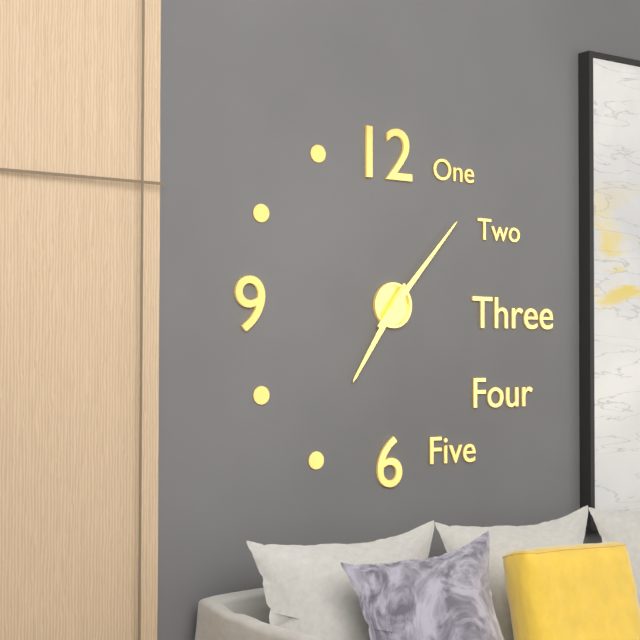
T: 7:07
